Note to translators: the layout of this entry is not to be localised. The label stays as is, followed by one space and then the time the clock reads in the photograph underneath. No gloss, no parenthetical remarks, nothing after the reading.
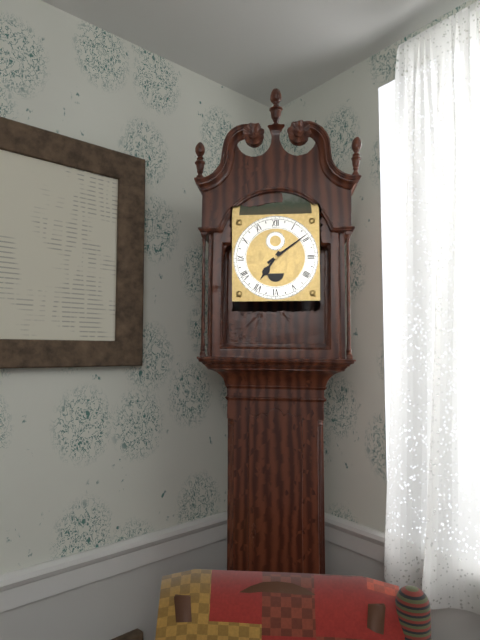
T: 7:09
